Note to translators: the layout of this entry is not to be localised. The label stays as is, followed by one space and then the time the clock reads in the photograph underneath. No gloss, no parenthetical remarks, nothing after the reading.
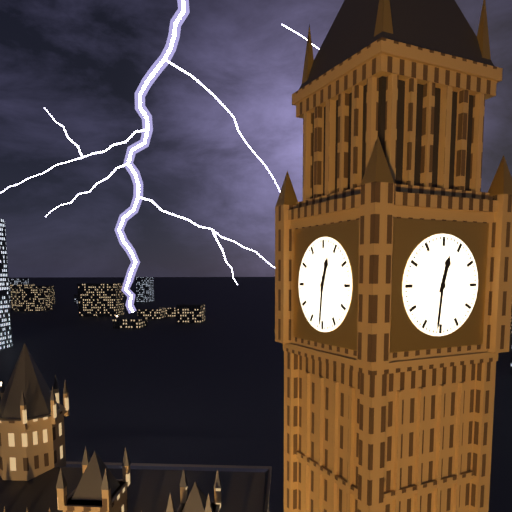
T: 12:31
